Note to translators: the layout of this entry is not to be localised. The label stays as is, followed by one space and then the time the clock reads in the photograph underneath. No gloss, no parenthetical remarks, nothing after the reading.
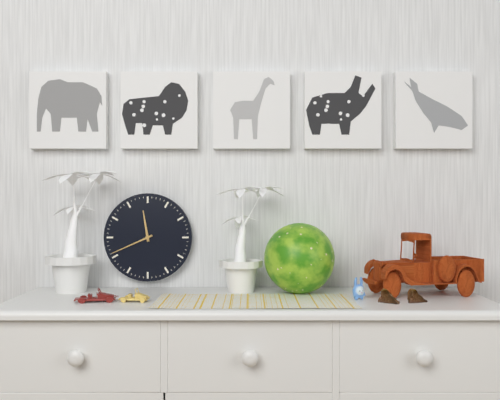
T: 11:41
